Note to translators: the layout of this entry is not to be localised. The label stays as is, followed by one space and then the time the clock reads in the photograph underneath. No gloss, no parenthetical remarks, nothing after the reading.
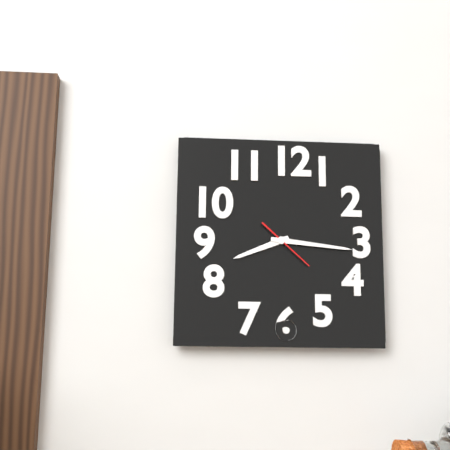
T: 8:16
